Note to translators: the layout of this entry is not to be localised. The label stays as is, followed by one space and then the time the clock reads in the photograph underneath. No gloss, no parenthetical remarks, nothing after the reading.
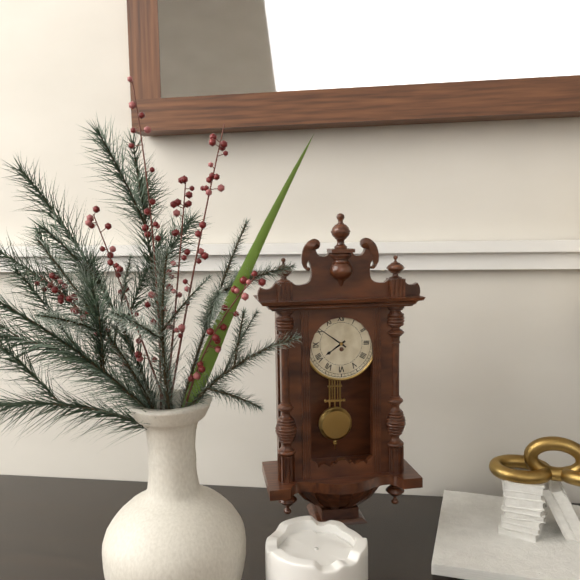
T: 7:51
